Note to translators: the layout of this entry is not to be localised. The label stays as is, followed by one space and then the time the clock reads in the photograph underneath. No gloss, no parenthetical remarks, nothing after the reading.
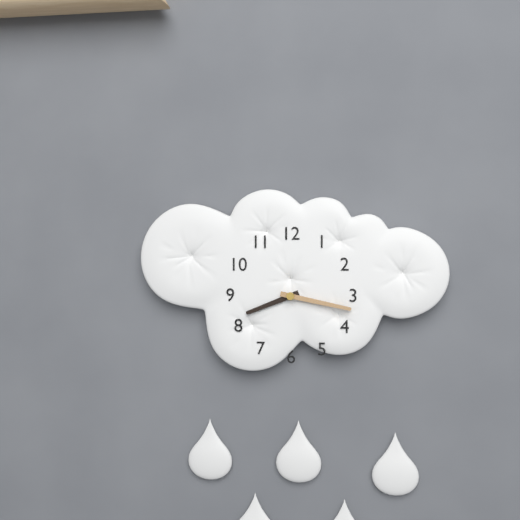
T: 8:17
